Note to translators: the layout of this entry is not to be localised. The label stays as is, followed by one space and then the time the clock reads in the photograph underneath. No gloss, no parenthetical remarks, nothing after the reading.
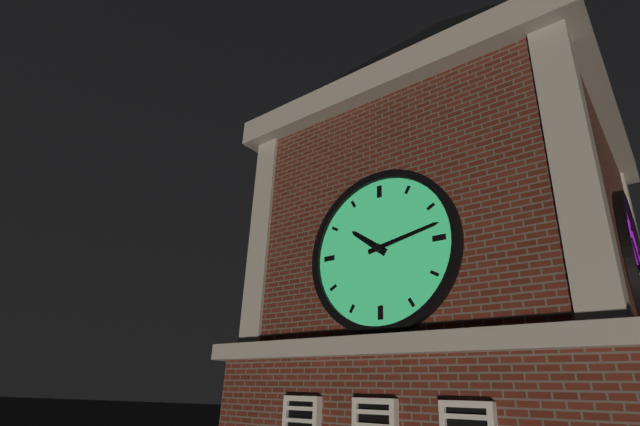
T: 10:13
